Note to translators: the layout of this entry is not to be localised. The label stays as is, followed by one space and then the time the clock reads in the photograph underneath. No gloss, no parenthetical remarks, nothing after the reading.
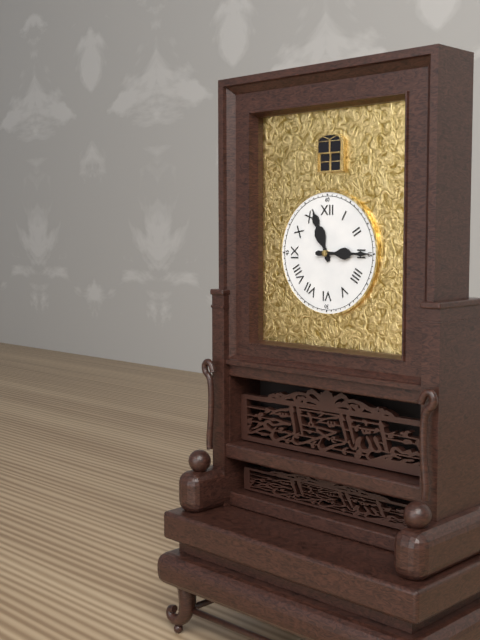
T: 11:15
